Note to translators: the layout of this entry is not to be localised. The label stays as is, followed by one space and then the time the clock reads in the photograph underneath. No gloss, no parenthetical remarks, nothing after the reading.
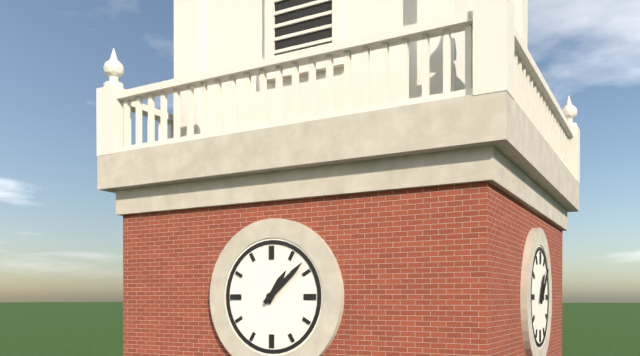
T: 1:08
